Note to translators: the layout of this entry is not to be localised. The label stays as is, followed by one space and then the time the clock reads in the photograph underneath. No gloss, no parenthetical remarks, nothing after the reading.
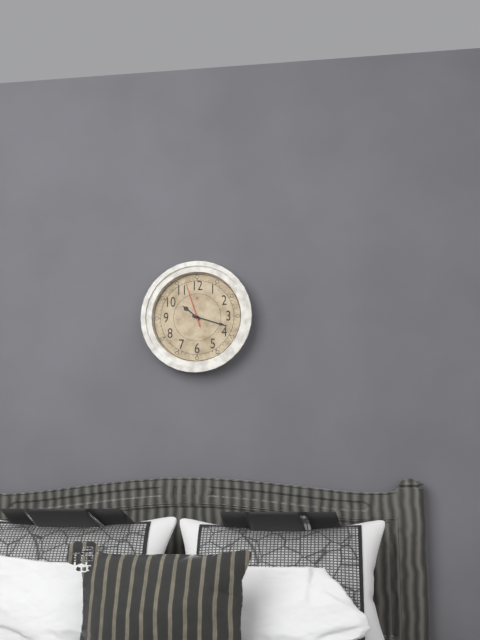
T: 10:18
